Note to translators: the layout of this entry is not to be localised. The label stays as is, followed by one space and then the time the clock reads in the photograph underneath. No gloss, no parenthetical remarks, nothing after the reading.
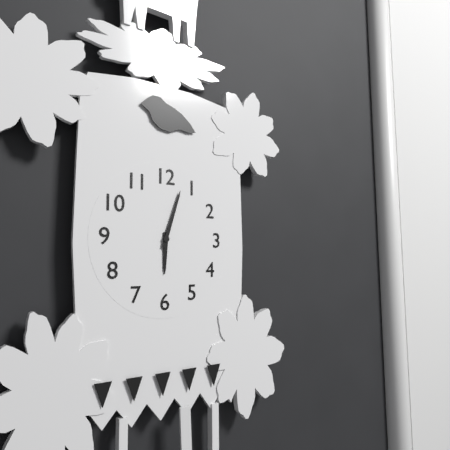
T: 6:03
